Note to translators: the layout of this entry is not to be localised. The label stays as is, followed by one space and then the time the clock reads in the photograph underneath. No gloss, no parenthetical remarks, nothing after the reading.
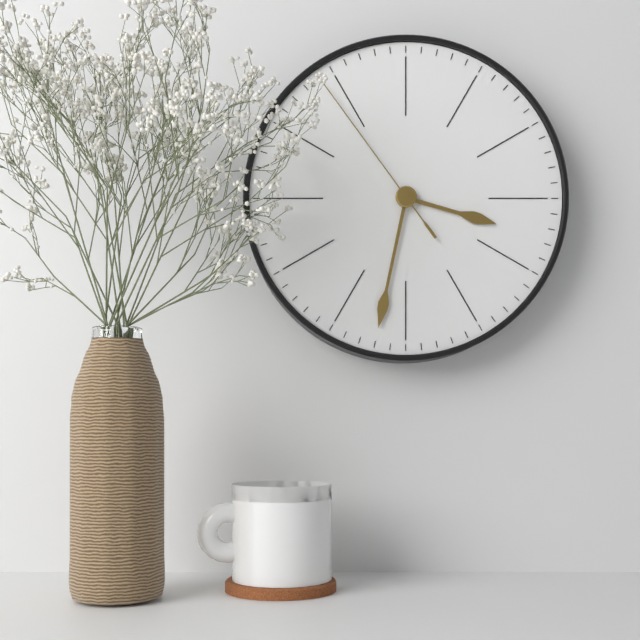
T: 3:32:54
